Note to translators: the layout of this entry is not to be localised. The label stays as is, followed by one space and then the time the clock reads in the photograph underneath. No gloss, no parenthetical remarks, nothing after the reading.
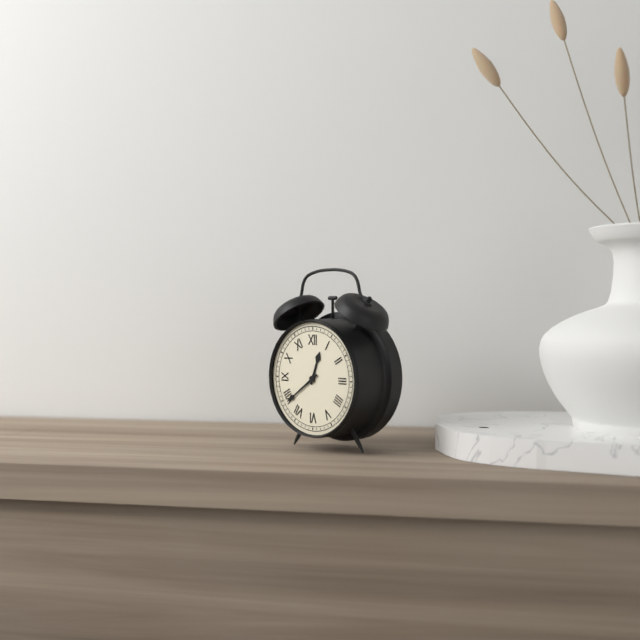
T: 12:39
